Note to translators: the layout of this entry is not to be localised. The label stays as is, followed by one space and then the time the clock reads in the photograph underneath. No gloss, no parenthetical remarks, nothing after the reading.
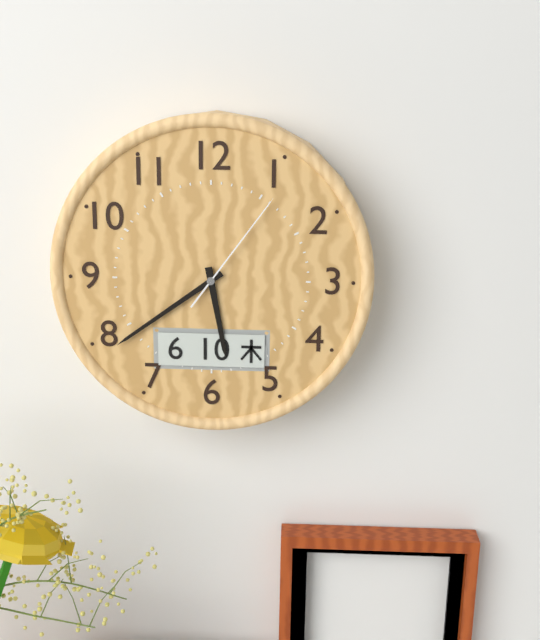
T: 5:39:06
